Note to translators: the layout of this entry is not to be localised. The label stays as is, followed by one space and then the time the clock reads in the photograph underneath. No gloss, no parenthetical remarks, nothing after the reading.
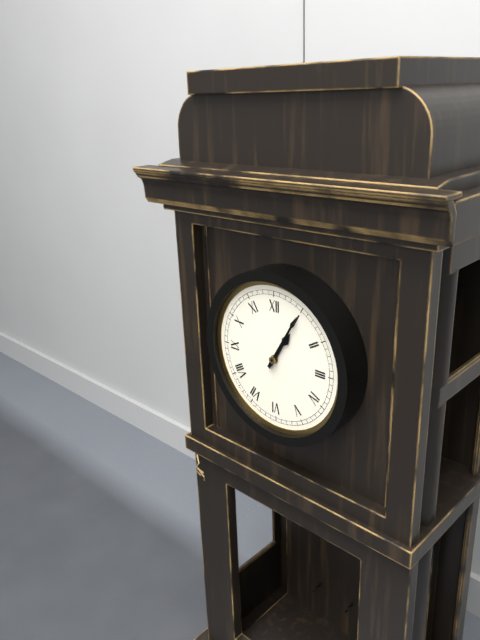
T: 1:05
